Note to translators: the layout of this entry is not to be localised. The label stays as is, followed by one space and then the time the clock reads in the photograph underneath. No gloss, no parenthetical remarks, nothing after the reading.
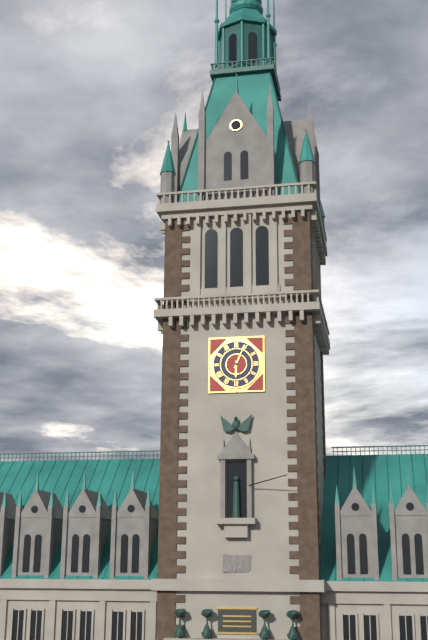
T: 6:04
